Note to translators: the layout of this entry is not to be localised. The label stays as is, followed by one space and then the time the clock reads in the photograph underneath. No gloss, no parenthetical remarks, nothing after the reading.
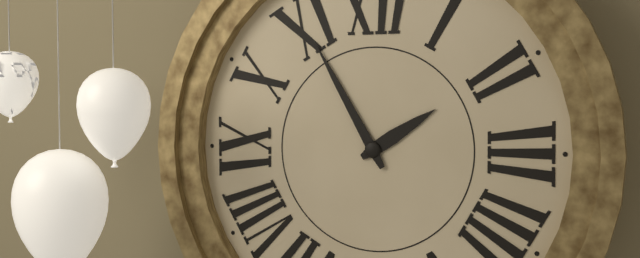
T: 1:55
